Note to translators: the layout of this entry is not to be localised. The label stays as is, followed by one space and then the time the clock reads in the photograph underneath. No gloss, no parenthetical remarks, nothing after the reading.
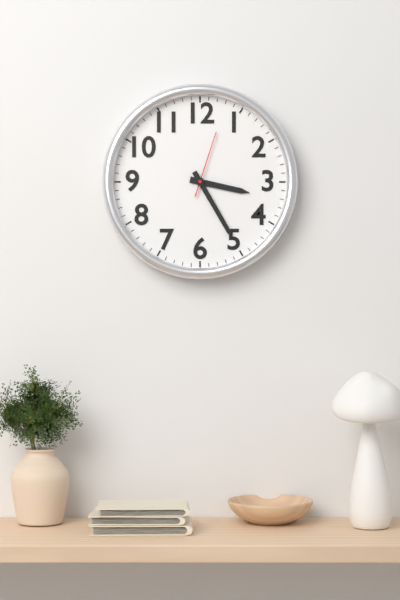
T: 3:25:03
